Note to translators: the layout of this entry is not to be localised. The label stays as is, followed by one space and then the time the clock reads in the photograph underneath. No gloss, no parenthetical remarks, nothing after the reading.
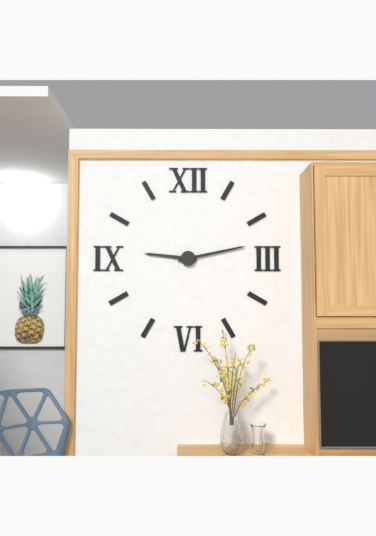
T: 9:13
